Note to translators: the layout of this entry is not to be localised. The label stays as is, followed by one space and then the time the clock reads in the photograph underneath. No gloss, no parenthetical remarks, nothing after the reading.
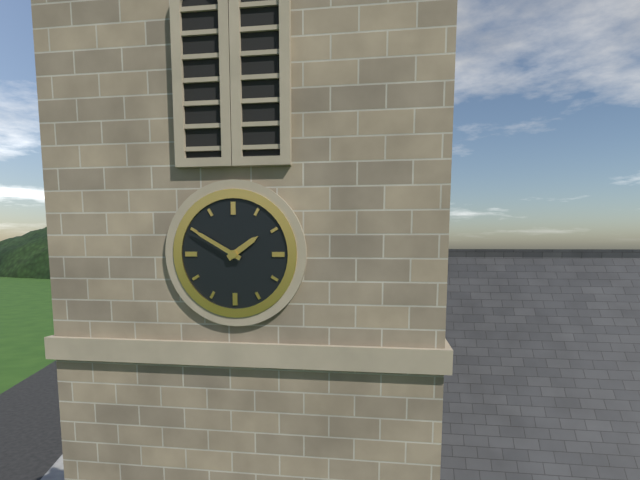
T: 1:50
